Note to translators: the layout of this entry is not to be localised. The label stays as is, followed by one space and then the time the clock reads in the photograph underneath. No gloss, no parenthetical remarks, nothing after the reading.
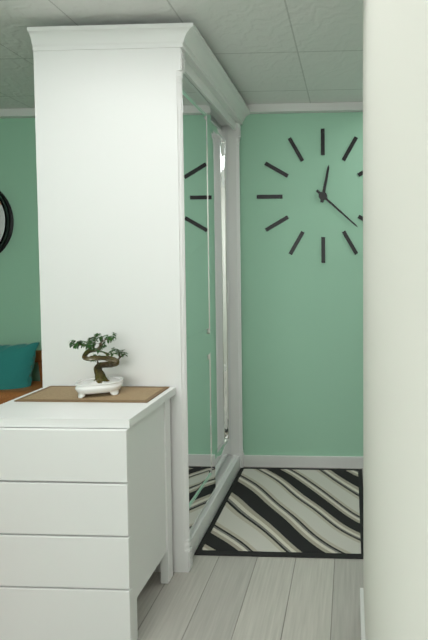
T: 12:22
